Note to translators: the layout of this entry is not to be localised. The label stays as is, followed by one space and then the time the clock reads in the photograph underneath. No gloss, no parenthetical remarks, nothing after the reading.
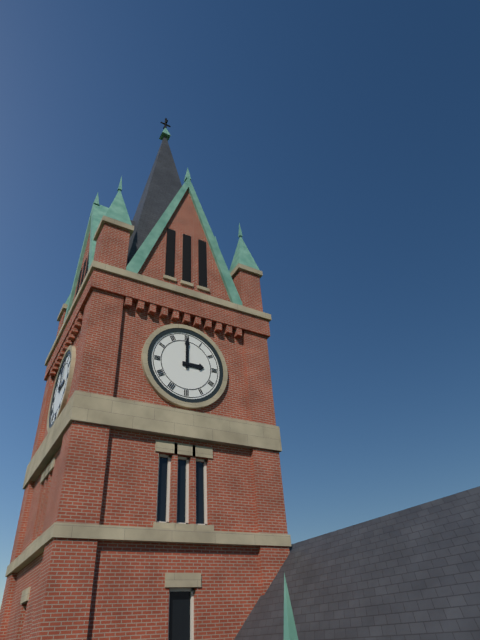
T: 3:00
